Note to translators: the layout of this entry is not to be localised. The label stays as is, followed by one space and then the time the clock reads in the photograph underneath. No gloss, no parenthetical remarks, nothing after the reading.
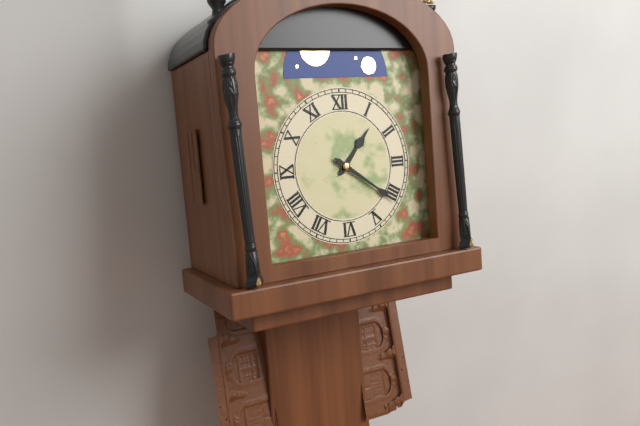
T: 1:21
